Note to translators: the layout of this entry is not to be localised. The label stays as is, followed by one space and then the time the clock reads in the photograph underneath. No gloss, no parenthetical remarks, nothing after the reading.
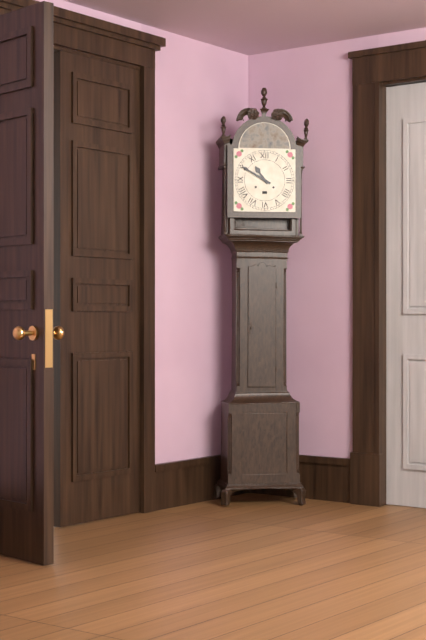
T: 10:50
